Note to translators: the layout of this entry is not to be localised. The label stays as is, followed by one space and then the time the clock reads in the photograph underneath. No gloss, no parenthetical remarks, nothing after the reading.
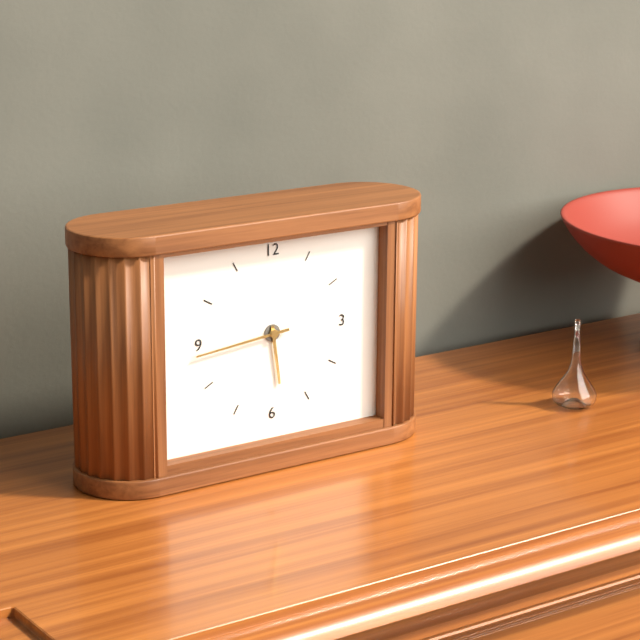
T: 5:44
